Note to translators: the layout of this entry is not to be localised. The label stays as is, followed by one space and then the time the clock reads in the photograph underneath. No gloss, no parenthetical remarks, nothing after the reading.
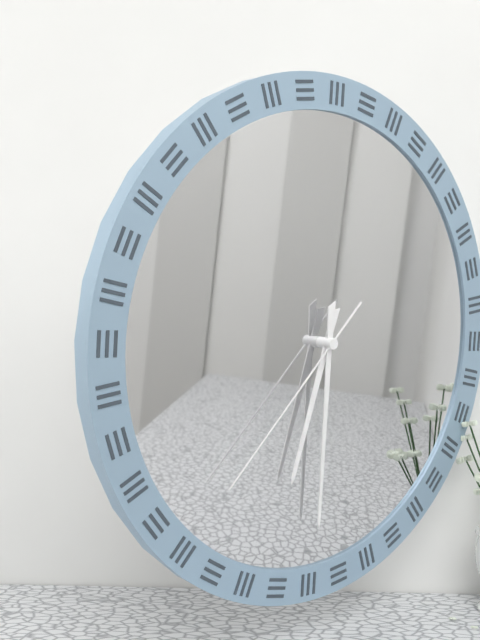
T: 6:30:37
